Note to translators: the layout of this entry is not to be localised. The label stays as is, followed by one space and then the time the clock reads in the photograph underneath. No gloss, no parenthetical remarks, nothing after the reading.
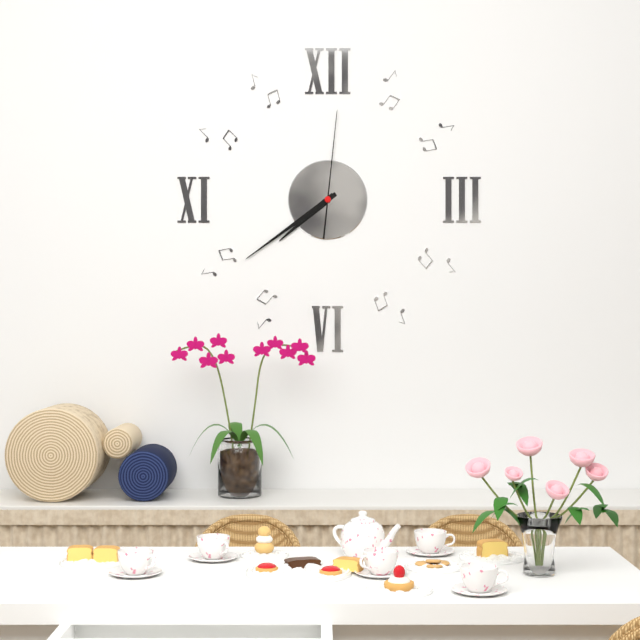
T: 7:39:01
